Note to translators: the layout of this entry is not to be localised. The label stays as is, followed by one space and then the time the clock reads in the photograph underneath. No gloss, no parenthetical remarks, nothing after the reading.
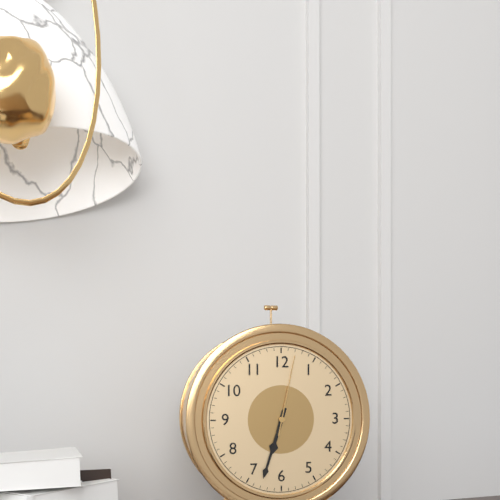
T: 6:33:02
